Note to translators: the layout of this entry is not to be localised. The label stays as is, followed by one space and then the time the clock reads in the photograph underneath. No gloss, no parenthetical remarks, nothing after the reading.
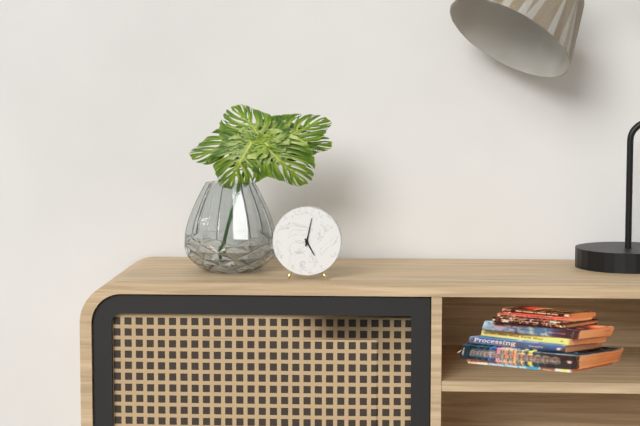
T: 5:02
